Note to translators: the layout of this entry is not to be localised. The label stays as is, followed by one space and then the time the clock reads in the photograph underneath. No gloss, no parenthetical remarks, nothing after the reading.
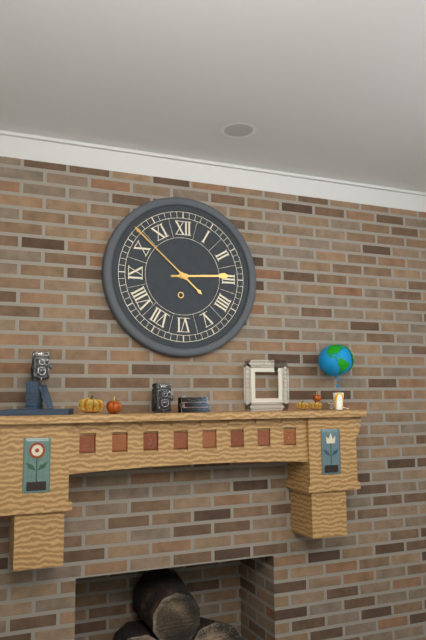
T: 2:52
